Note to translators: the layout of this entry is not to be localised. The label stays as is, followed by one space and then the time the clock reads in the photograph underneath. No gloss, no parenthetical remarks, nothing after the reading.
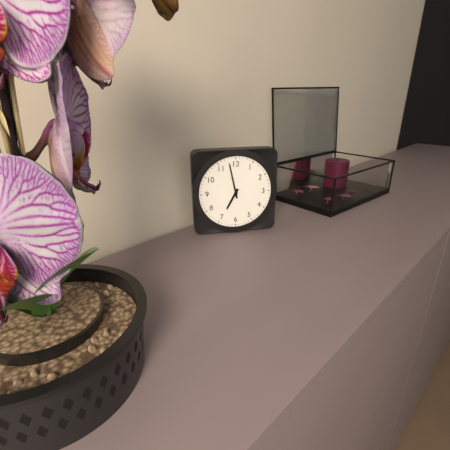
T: 6:58
